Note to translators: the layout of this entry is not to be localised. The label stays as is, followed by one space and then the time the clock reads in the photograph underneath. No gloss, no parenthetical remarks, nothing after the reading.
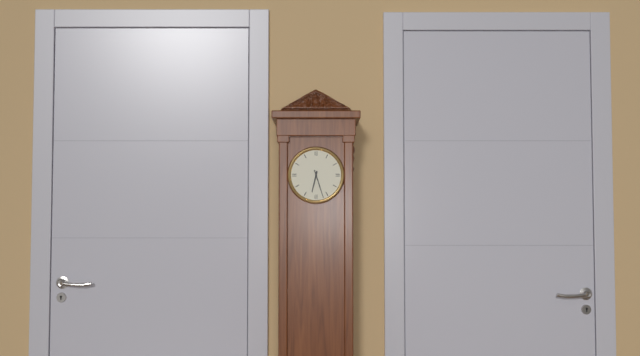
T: 6:27
